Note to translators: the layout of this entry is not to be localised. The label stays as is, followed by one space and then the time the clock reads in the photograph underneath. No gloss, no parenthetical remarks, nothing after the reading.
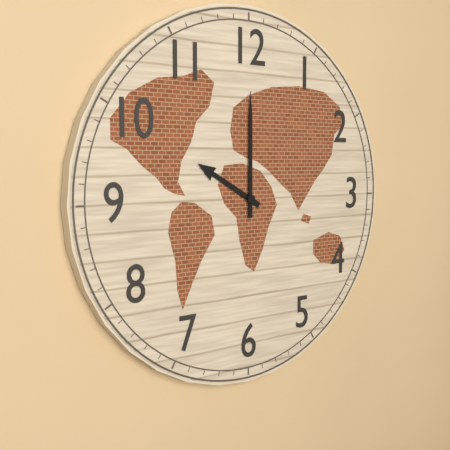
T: 10:00
